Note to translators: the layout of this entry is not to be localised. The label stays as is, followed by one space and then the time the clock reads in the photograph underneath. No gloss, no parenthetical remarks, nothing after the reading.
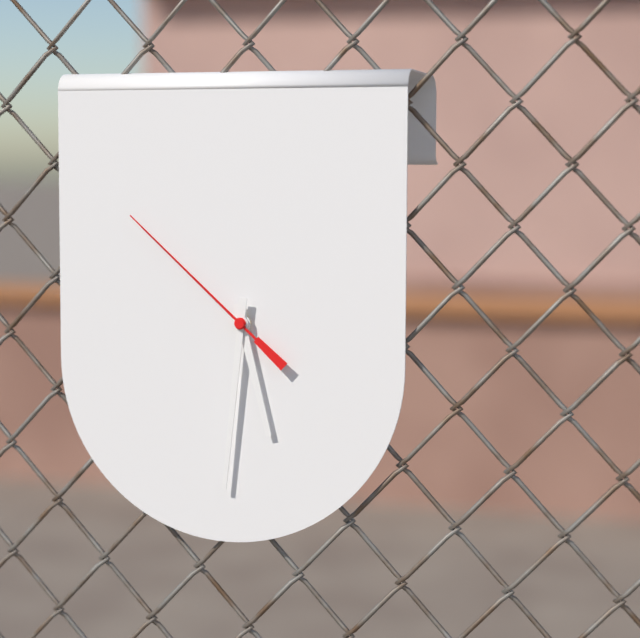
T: 5:31:52
